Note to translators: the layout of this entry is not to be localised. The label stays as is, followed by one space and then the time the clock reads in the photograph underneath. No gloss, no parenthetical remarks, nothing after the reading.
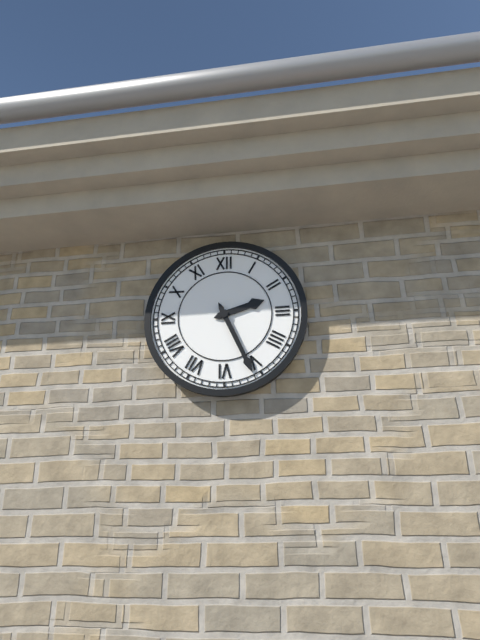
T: 2:26
